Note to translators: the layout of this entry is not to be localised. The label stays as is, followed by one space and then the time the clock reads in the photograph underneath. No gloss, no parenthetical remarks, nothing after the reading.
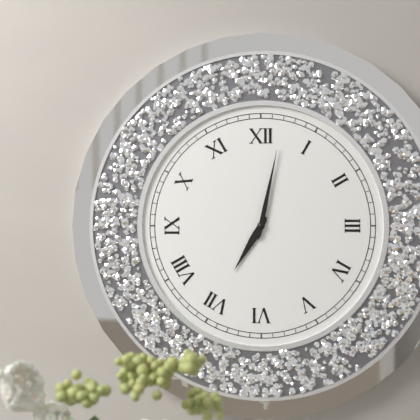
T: 7:02
